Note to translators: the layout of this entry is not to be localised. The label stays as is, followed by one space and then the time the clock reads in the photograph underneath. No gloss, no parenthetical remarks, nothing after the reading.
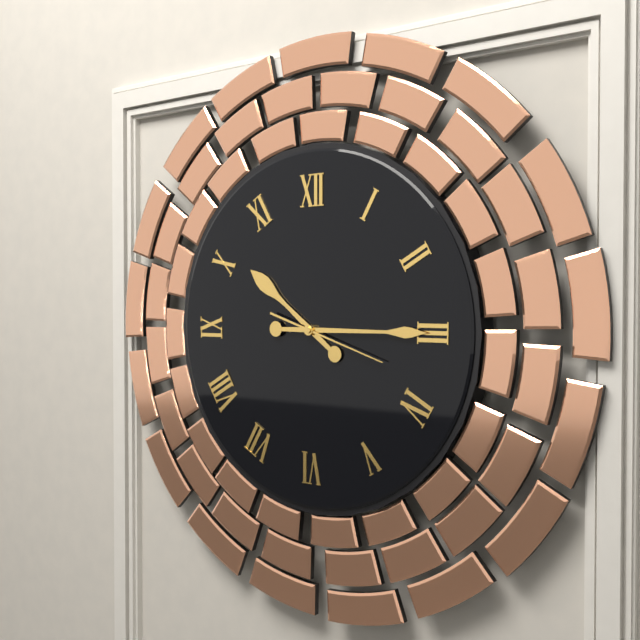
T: 10:15:18
